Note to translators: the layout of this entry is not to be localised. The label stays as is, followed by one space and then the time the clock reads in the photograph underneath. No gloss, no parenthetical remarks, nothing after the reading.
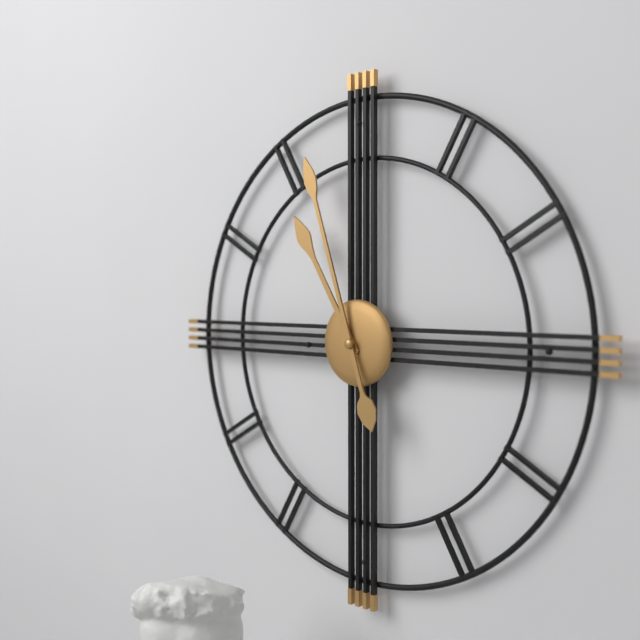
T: 10:57
